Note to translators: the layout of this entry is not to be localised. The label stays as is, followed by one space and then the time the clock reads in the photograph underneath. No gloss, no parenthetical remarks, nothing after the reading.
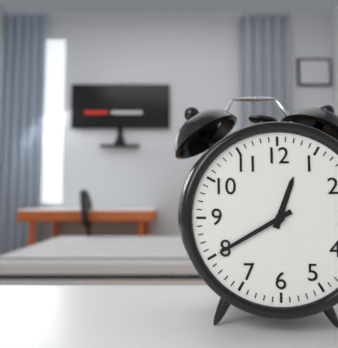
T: 12:40
